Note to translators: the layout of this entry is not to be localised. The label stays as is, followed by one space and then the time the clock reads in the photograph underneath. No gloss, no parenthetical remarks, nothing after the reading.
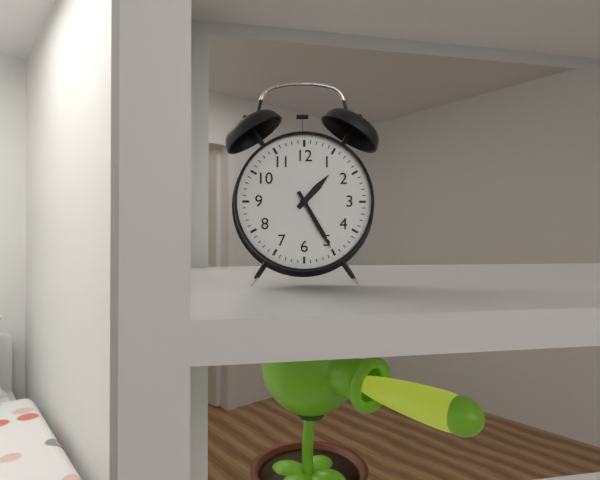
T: 1:25
